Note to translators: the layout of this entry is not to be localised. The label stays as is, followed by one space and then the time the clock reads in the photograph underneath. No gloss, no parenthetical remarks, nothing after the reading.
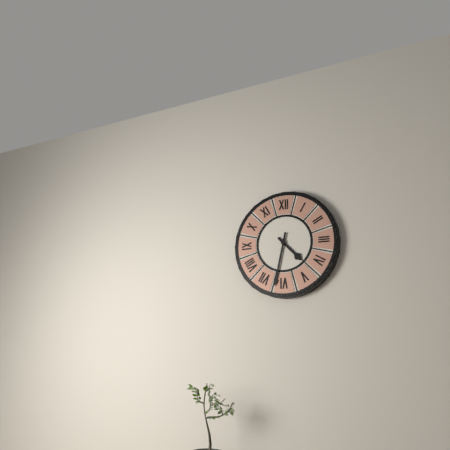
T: 4:32
